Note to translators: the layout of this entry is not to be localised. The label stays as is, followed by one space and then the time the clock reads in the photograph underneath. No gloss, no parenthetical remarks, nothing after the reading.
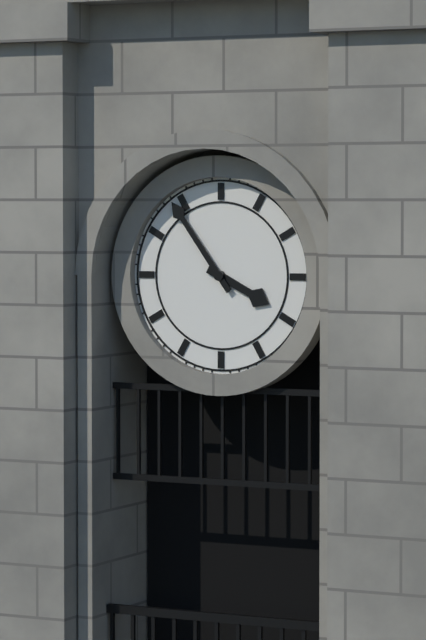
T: 3:54
